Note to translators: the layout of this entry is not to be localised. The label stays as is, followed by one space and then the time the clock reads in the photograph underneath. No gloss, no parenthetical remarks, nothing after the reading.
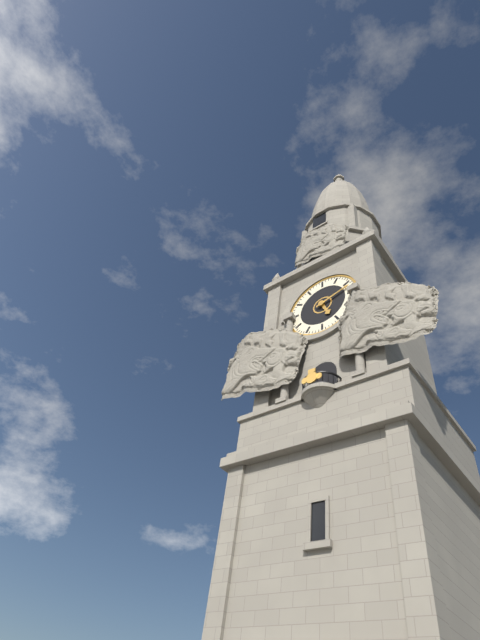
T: 5:12
